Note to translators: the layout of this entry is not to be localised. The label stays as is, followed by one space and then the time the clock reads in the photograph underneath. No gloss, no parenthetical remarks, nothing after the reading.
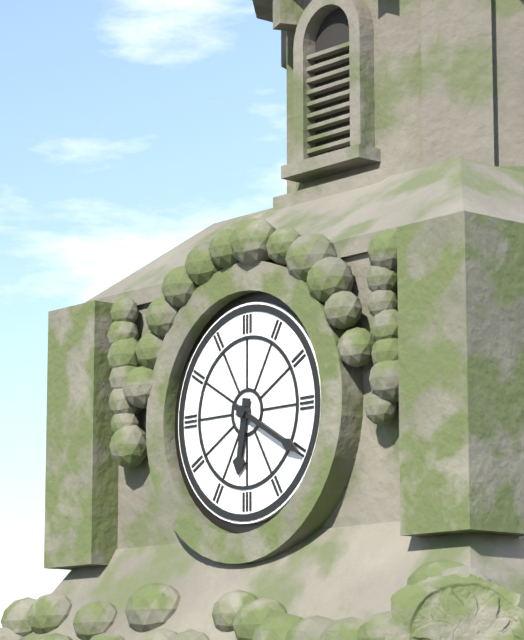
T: 6:20
